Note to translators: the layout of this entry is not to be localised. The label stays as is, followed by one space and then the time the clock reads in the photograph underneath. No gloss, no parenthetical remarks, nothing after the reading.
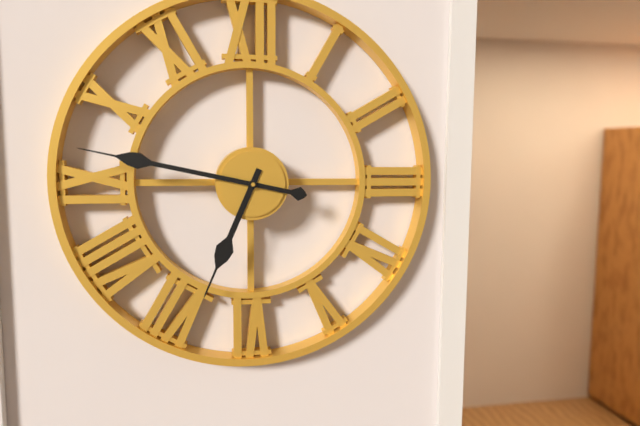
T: 6:47
